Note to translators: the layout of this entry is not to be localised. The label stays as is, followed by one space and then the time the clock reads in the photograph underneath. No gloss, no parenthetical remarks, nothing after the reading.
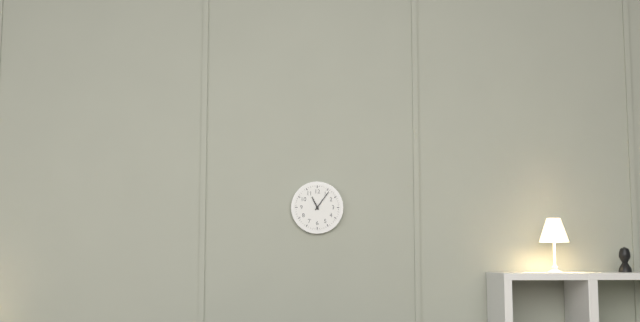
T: 11:06
